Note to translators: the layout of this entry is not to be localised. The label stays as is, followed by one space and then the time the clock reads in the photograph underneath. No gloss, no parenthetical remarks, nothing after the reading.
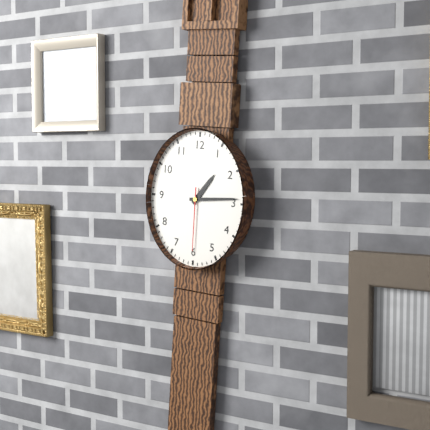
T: 1:14:30
